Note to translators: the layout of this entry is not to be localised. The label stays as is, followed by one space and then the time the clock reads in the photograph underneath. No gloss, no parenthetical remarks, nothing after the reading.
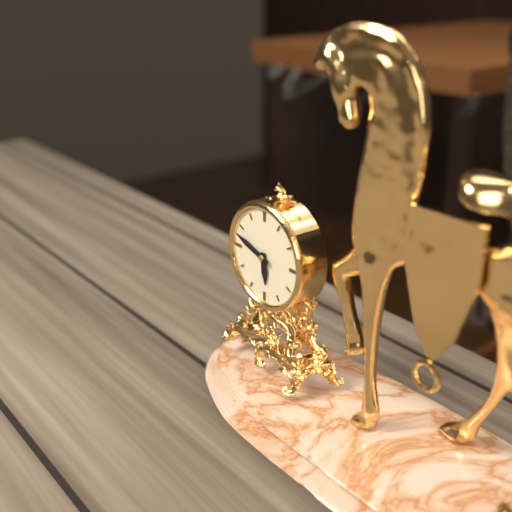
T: 5:48
